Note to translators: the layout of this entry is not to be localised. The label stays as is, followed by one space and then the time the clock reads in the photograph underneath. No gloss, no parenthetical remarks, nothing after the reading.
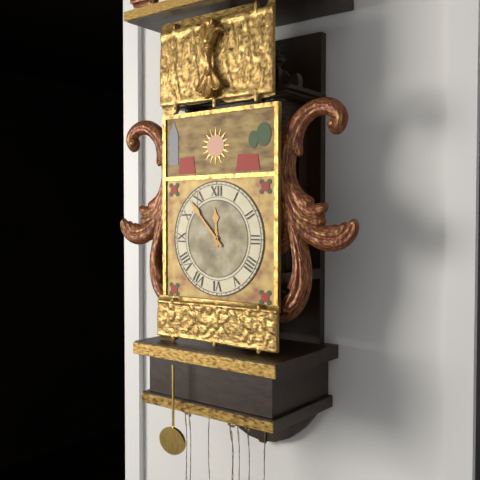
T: 11:53
